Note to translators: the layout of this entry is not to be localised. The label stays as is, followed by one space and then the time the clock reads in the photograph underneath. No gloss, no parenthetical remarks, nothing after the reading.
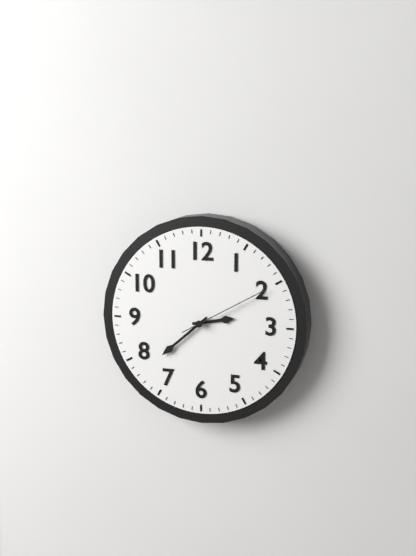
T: 2:38:10
